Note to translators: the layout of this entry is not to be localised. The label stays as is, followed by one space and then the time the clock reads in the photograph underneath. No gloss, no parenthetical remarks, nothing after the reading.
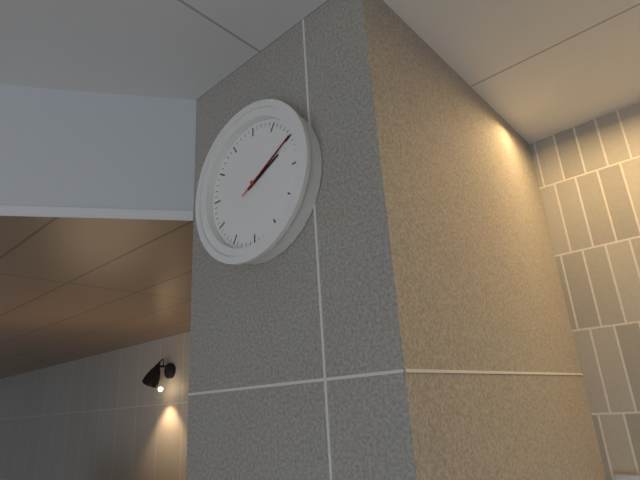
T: 2:10:10
